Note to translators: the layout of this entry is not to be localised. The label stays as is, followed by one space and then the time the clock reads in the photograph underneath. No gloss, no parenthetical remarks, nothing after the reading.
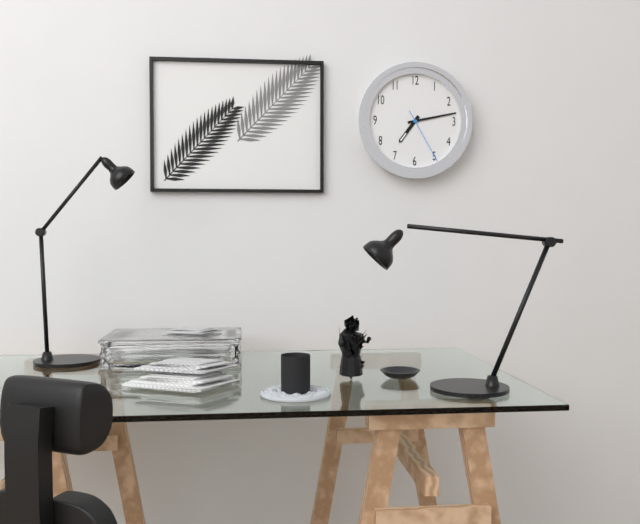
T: 7:13:25
